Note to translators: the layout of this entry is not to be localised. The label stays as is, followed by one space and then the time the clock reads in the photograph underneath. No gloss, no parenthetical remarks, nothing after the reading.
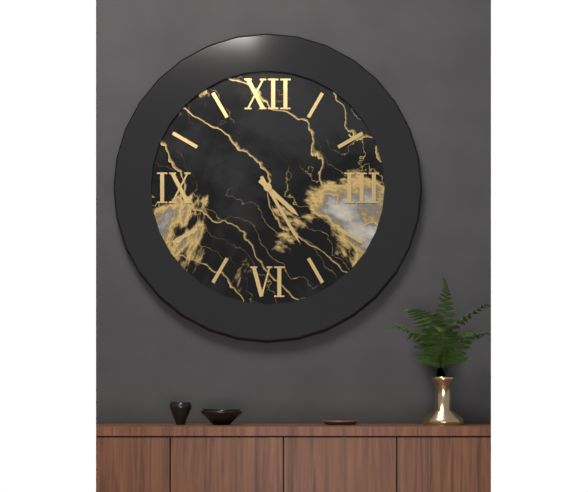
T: 4:25
